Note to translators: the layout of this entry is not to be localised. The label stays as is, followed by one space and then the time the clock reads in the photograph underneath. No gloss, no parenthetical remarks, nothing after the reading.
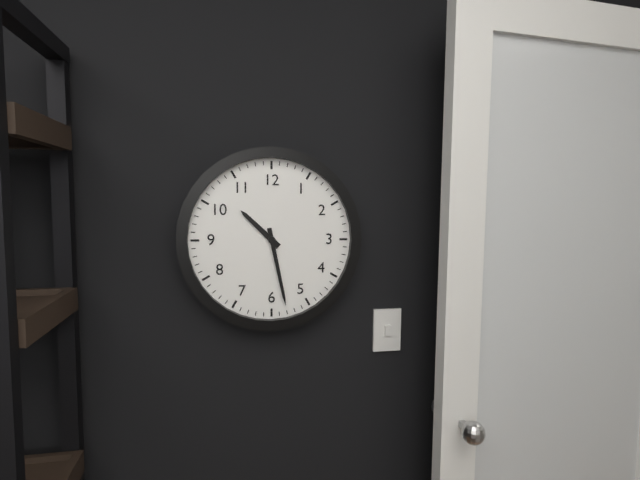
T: 10:28
